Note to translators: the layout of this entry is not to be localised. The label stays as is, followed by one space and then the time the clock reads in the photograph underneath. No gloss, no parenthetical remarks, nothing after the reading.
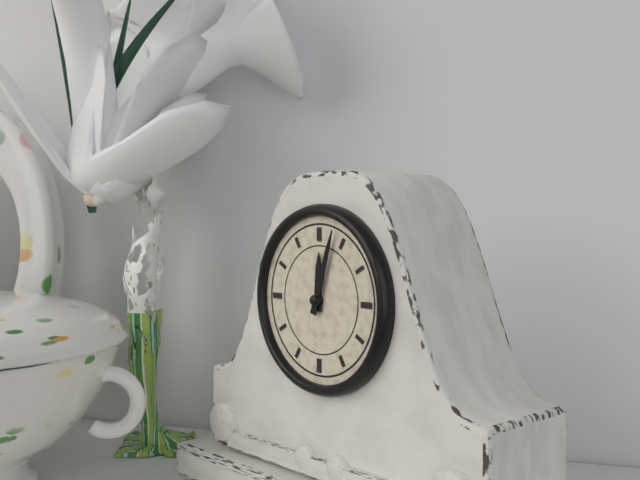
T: 12:03
